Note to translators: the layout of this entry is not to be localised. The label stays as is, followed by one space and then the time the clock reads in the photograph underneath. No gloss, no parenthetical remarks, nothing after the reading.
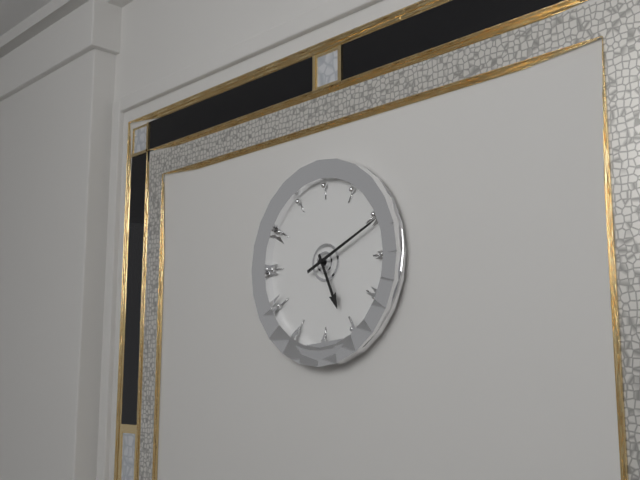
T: 5:11
